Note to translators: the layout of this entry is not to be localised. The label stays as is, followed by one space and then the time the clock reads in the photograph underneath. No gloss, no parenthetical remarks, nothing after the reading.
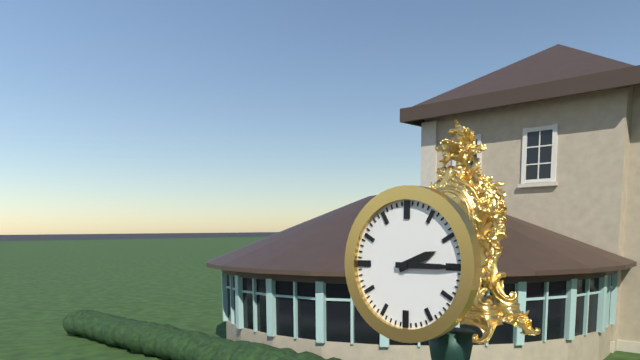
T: 2:15
